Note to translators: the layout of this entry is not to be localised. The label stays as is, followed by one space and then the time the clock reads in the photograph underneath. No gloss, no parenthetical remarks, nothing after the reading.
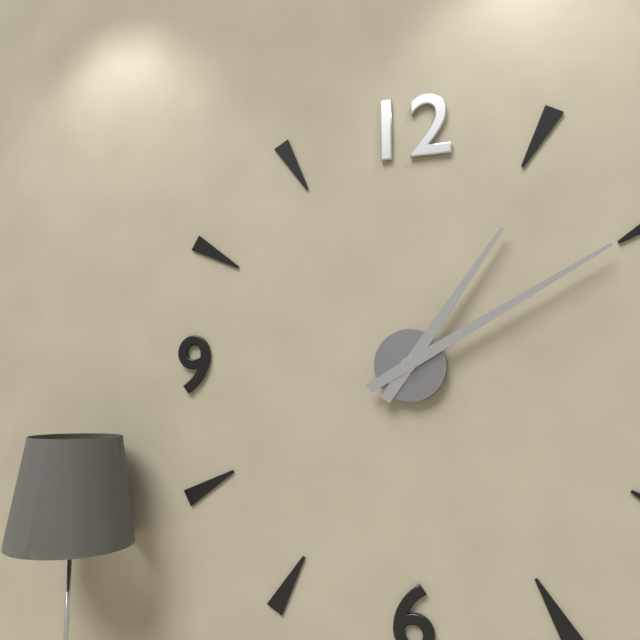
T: 1:10
